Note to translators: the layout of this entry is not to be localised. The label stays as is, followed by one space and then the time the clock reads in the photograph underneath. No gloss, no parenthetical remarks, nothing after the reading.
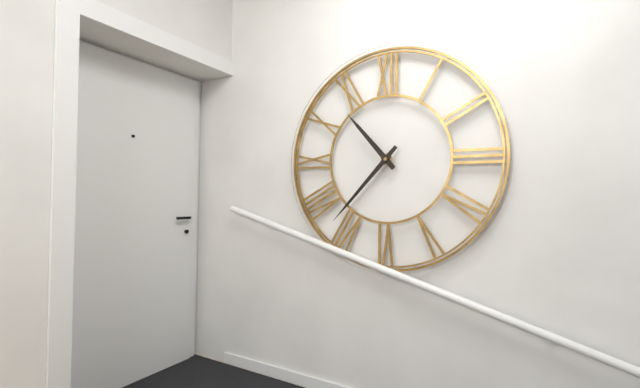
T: 10:37
